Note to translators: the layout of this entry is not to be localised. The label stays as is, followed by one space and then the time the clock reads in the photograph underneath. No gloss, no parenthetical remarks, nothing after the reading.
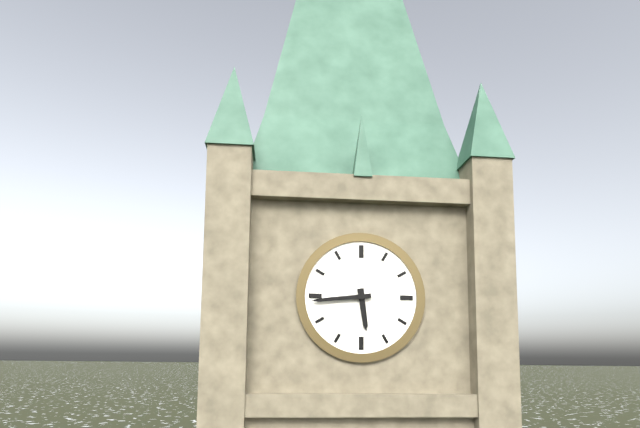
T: 5:44
